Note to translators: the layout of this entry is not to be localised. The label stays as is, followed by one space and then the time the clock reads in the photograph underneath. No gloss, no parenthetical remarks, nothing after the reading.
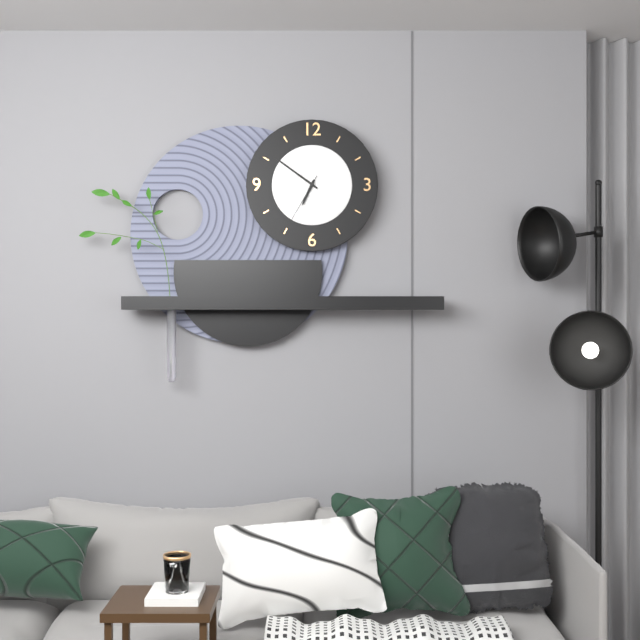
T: 6:51:35
